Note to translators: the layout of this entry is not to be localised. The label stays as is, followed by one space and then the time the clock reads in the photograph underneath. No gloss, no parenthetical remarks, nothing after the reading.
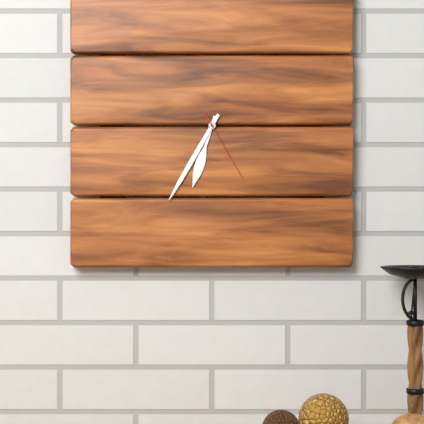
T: 6:35:25
